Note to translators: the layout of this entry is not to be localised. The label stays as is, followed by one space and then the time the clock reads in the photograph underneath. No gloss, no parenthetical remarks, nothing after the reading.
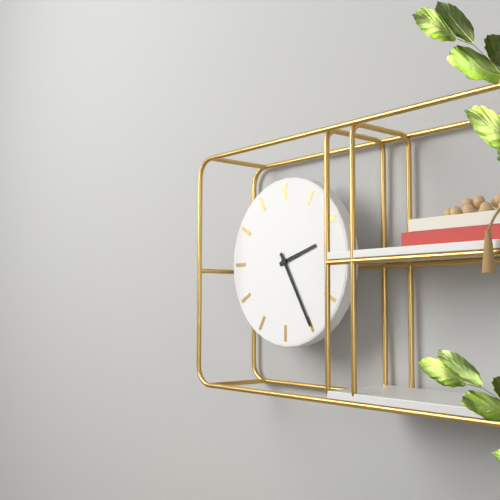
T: 2:25
